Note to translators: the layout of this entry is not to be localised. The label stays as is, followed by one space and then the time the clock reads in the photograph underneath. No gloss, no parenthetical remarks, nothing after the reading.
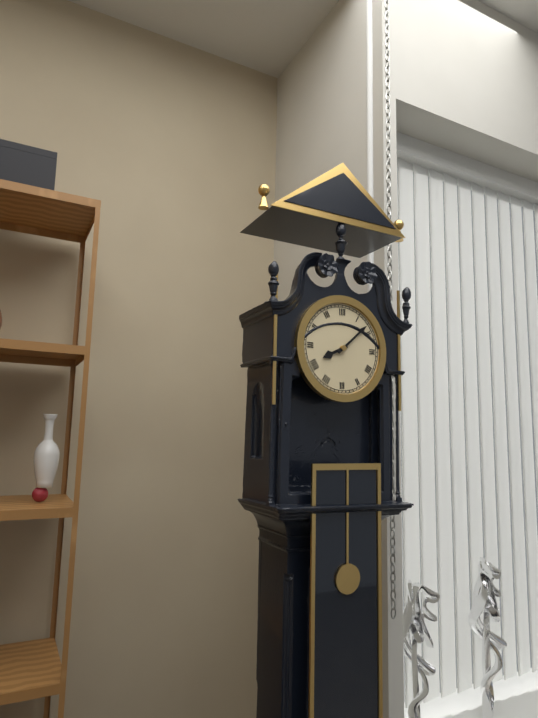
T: 8:08
